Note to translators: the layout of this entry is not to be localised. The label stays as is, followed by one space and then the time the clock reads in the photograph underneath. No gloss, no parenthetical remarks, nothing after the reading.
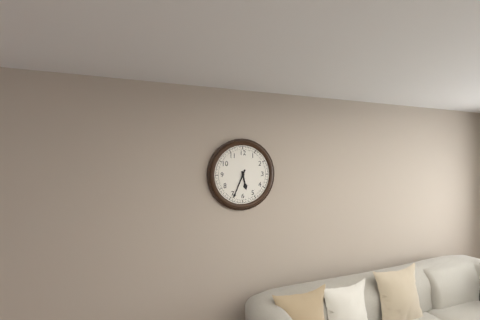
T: 5:34
